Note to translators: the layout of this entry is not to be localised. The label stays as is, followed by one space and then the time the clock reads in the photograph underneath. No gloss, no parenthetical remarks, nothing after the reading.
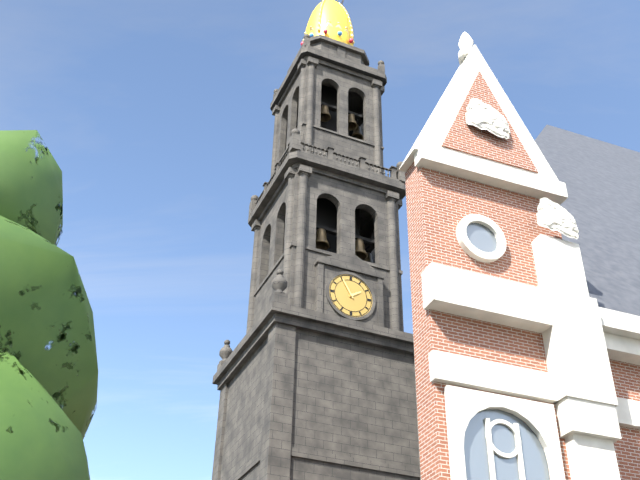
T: 1:55
